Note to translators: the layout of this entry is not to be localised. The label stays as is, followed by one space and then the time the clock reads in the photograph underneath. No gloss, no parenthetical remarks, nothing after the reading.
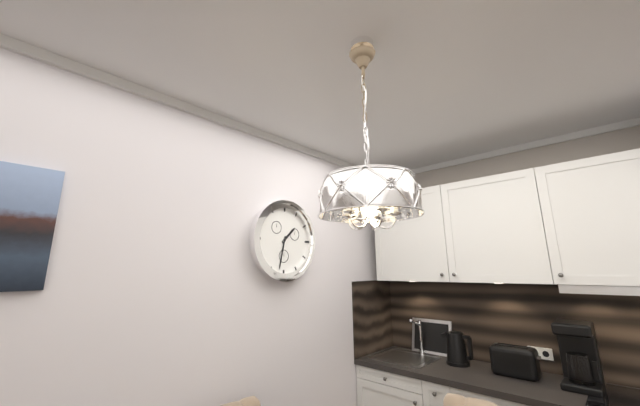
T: 1:32
